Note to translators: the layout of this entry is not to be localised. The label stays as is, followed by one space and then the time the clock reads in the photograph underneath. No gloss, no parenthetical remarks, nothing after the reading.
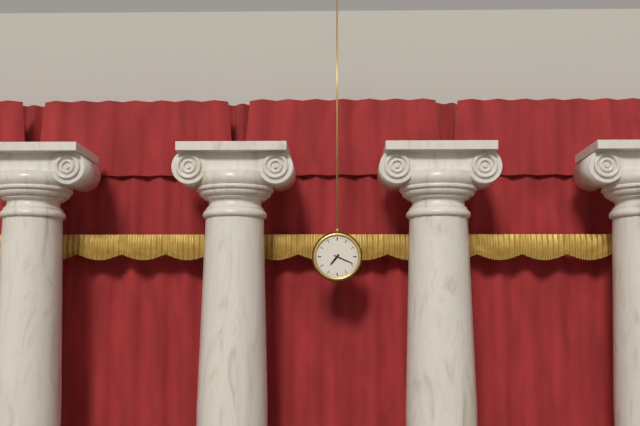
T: 7:19
